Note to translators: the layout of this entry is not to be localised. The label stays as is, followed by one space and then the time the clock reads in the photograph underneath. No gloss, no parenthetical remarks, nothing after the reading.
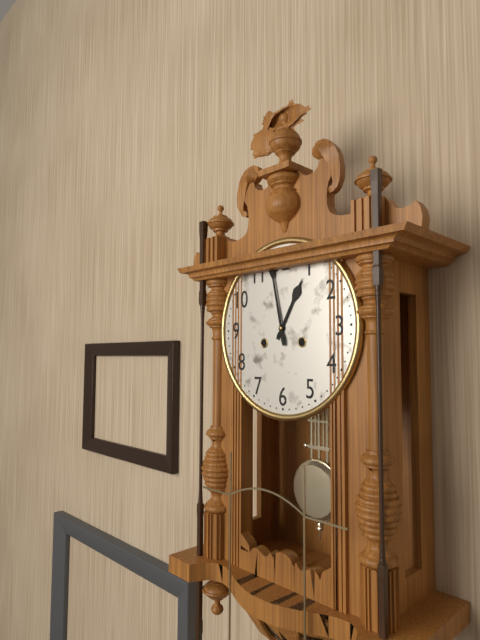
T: 12:58
